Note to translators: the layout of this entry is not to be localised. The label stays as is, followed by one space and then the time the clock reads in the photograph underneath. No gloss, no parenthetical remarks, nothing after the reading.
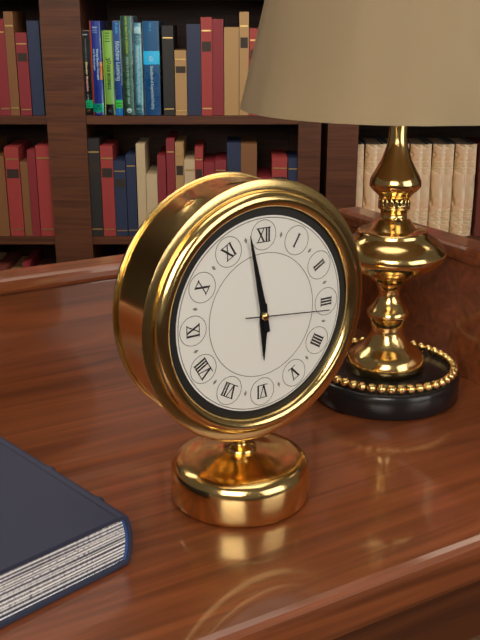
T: 5:58:16
